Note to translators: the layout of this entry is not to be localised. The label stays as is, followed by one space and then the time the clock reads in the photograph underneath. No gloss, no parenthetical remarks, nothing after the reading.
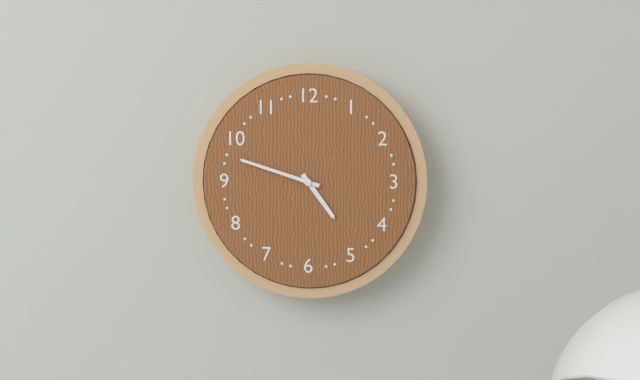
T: 4:48
